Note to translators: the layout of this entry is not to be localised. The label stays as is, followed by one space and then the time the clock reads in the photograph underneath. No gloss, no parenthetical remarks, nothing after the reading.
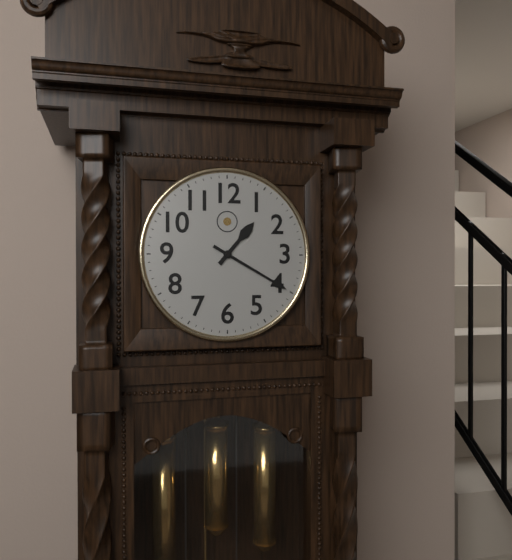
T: 1:20
